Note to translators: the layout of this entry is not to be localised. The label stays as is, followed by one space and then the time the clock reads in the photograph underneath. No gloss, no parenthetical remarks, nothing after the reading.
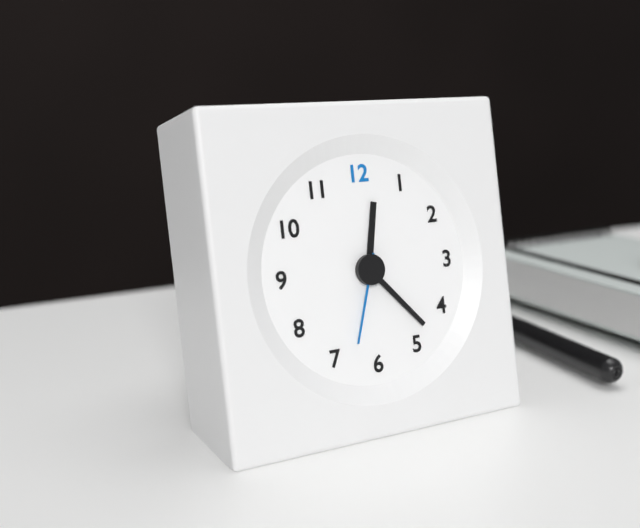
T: 12:23:33
